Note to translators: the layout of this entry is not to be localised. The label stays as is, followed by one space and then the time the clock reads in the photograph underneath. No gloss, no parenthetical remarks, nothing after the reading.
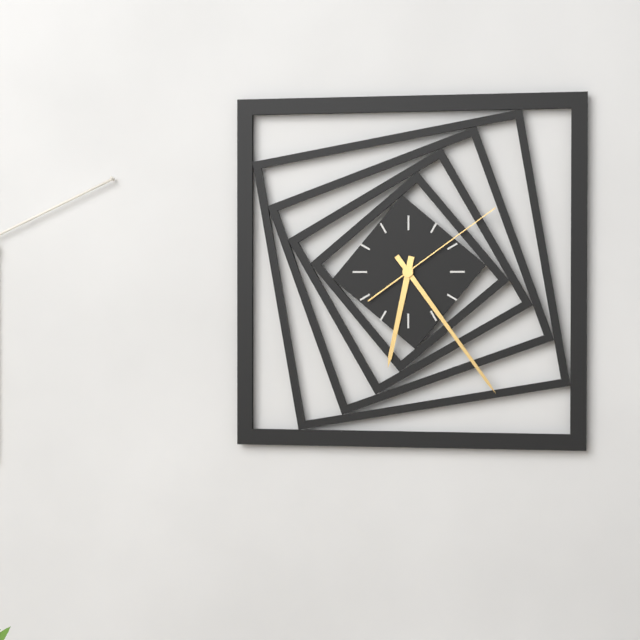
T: 6:24:09
